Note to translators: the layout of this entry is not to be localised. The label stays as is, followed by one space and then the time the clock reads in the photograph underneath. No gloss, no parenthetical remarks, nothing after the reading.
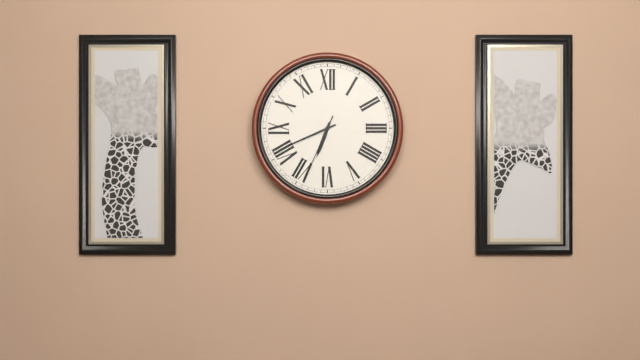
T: 6:41:34
